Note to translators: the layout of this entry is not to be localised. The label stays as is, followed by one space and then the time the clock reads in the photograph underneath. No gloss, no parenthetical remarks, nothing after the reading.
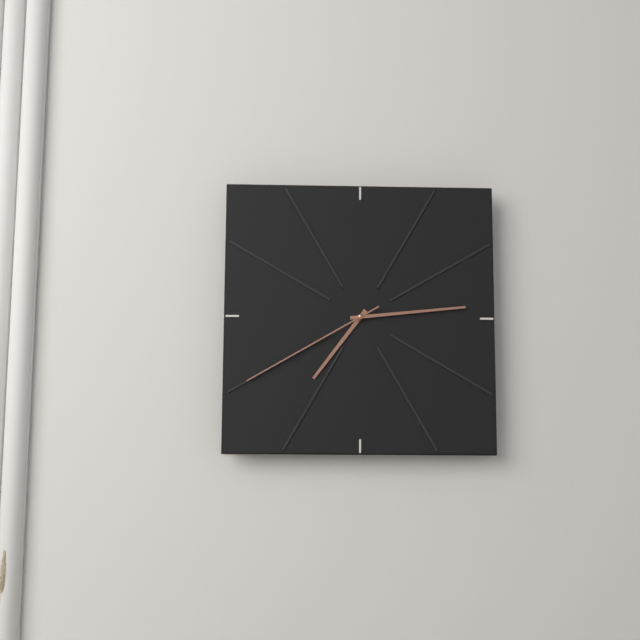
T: 7:14:40
